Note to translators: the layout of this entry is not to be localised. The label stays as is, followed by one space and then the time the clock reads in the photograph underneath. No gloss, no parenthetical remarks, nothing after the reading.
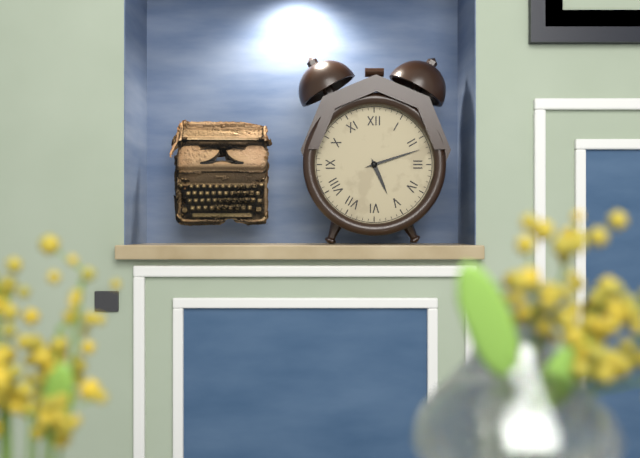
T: 5:12
